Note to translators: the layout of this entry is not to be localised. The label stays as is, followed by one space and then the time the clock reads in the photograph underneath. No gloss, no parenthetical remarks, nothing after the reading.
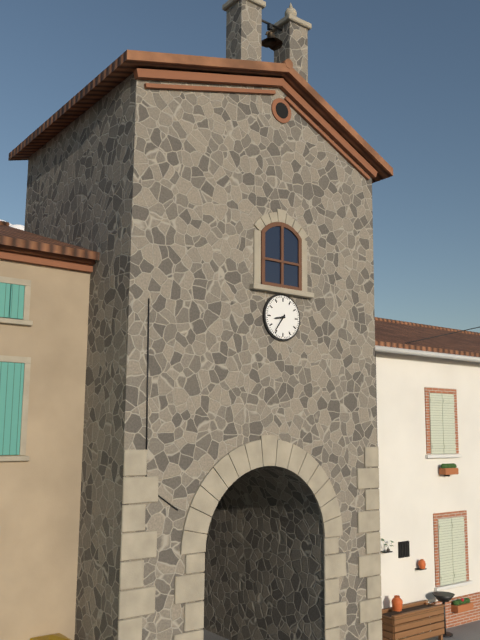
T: 8:36
